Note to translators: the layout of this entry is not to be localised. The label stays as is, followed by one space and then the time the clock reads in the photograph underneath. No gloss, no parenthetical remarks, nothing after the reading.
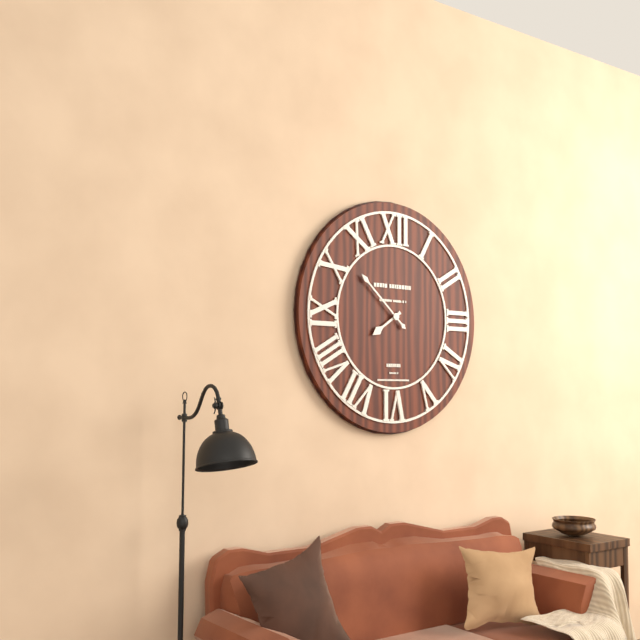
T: 7:52
